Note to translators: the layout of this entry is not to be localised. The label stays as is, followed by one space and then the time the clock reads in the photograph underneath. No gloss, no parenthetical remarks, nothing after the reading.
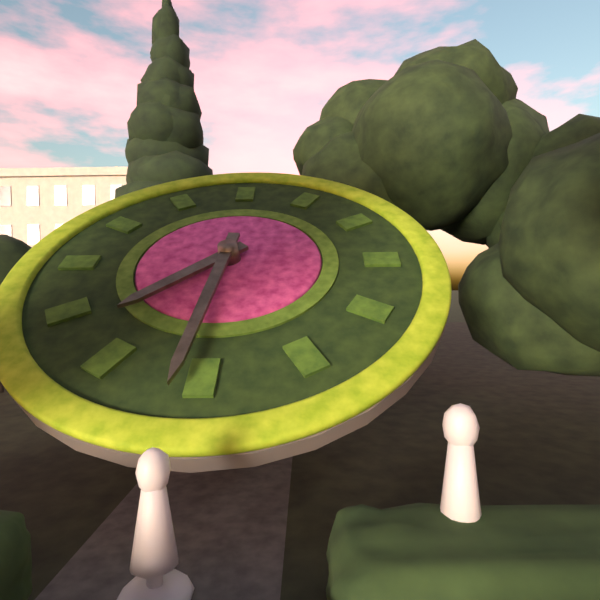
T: 7:31
